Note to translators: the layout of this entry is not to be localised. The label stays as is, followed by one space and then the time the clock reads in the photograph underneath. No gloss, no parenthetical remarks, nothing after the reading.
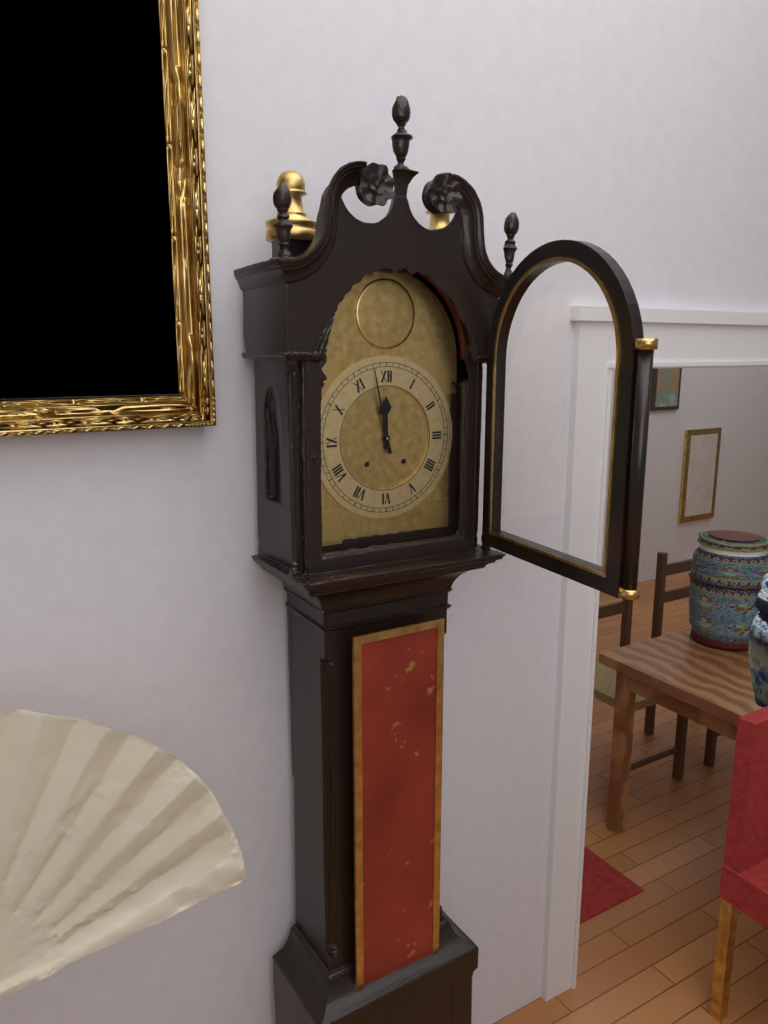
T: 11:58
